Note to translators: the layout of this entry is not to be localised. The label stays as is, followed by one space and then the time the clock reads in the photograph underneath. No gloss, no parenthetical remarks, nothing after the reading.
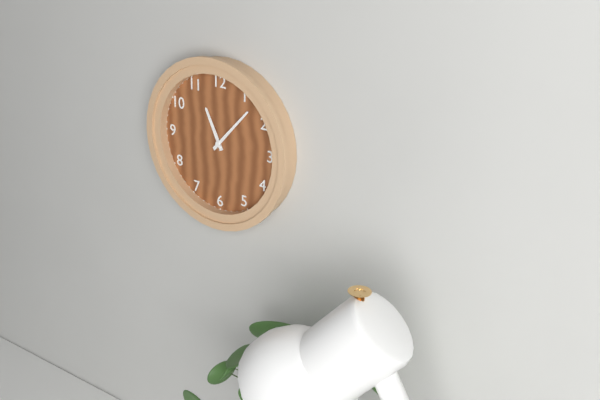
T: 11:07
